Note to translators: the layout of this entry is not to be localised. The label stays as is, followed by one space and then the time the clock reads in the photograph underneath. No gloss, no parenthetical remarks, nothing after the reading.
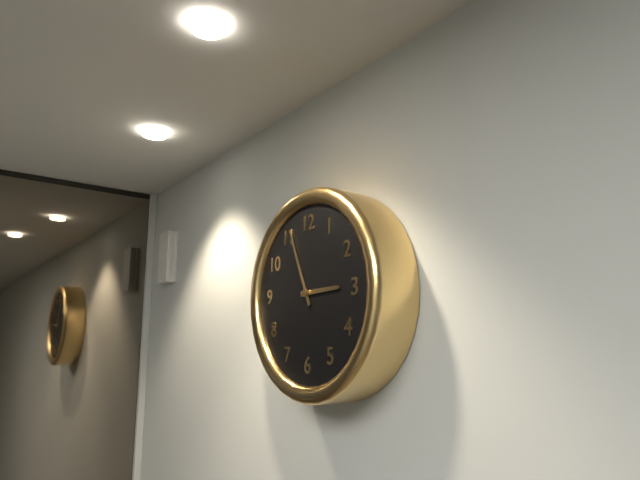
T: 2:56
